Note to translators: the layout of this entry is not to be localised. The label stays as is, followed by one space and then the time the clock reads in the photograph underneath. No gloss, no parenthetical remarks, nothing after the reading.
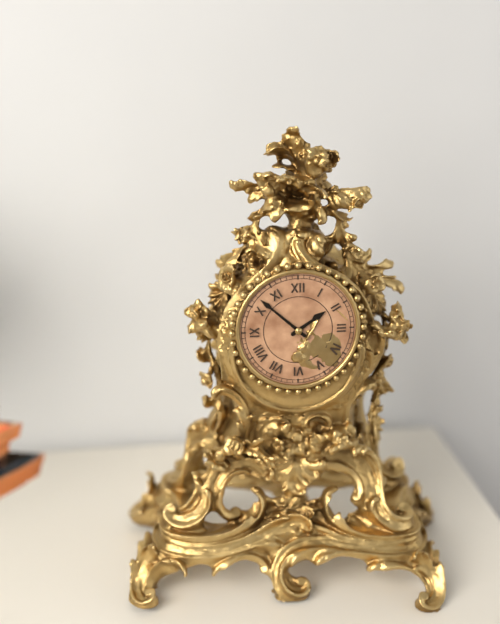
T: 1:52
